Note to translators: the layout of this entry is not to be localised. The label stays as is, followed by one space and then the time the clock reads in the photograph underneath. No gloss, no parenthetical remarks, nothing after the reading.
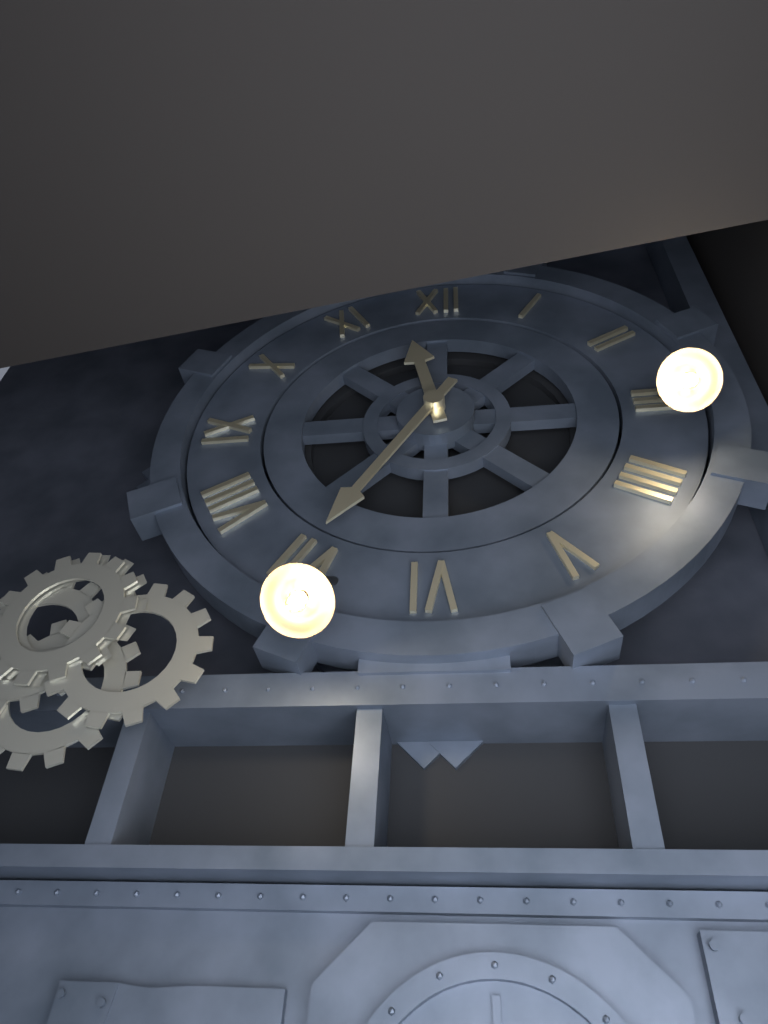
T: 11:35
